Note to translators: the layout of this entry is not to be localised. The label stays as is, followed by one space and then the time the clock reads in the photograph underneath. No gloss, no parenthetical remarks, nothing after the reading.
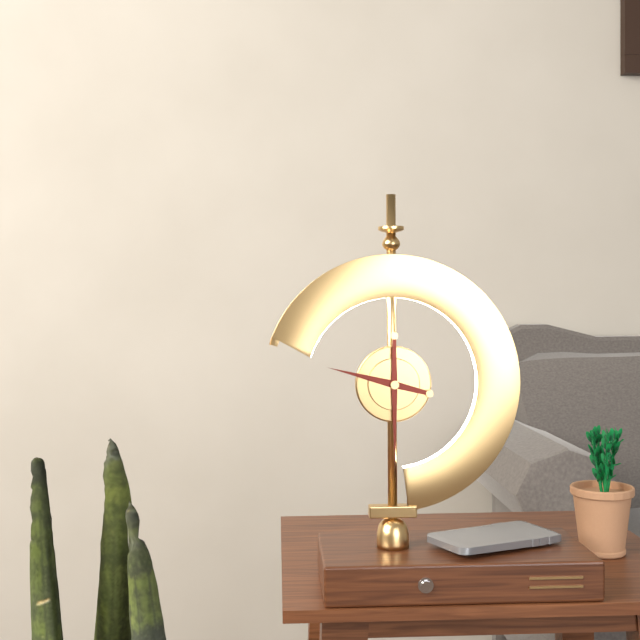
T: 9:30
